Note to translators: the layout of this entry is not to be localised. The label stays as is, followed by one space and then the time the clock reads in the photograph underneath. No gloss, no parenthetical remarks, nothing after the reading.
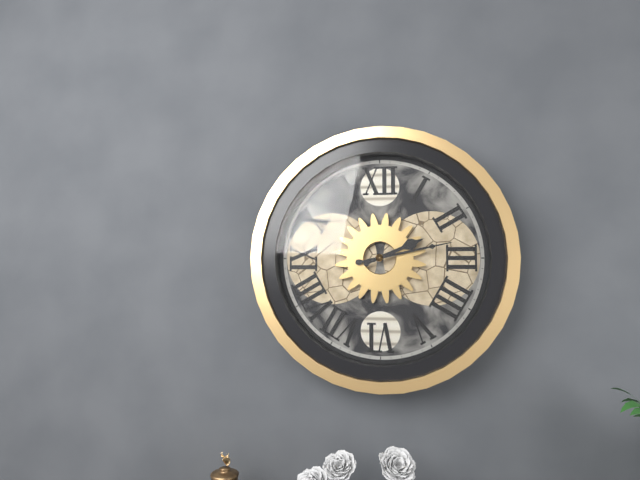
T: 2:13
